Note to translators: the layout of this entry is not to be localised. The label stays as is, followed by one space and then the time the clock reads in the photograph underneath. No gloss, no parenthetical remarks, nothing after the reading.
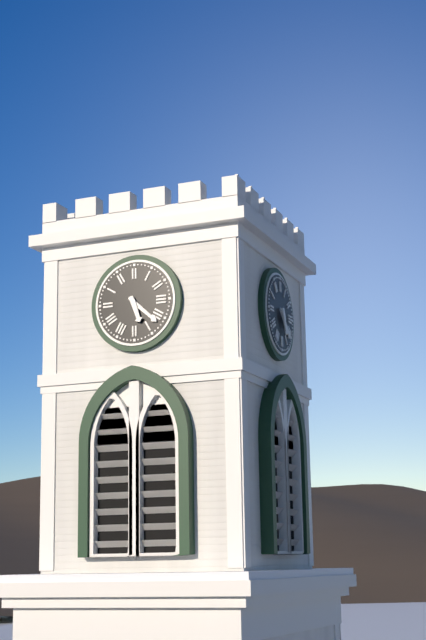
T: 5:22
